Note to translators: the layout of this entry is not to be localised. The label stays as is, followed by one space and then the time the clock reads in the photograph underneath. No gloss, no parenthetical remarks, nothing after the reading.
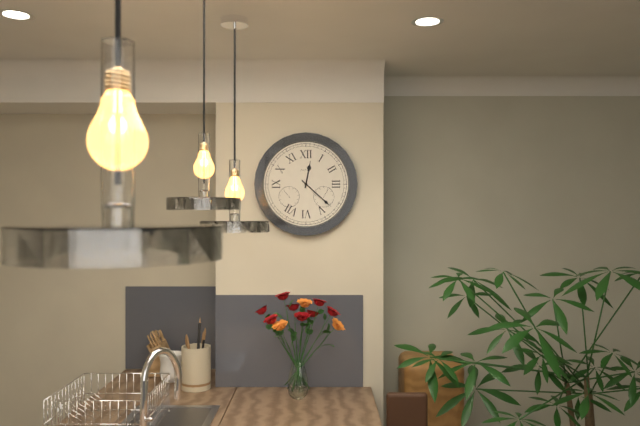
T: 12:22
